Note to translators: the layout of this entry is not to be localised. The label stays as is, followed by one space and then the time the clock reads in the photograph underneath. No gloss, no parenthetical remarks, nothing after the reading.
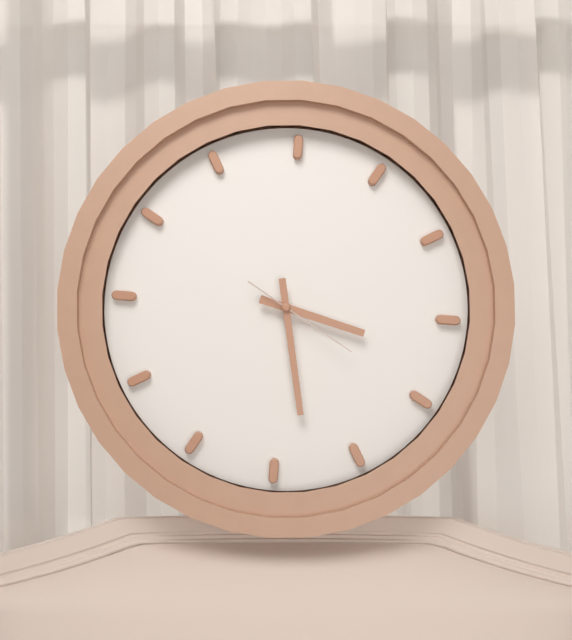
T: 3:28:20
